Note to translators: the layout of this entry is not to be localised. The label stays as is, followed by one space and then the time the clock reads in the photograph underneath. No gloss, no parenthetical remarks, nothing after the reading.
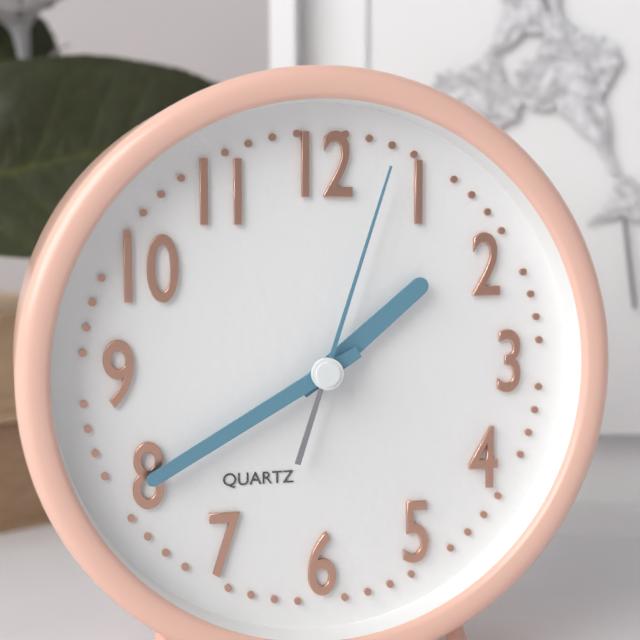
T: 1:40:03
